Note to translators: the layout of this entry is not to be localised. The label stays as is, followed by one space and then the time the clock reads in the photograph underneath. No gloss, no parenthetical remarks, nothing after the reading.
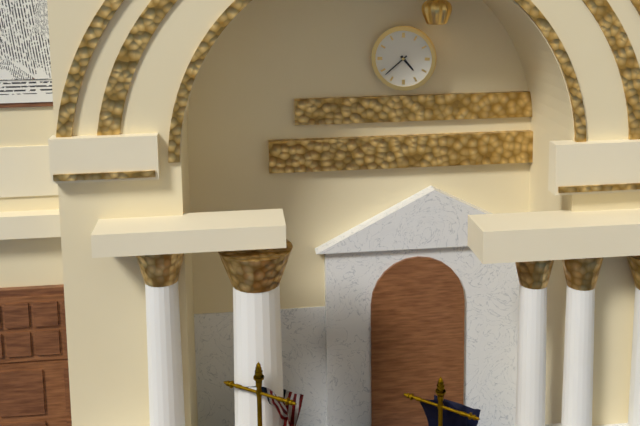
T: 4:38
